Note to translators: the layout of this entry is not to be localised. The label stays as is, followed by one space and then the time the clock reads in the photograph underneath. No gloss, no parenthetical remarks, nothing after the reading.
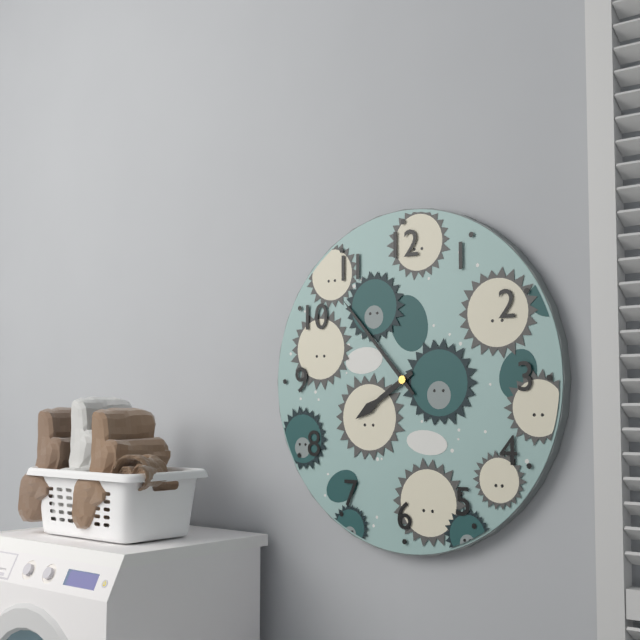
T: 7:53
